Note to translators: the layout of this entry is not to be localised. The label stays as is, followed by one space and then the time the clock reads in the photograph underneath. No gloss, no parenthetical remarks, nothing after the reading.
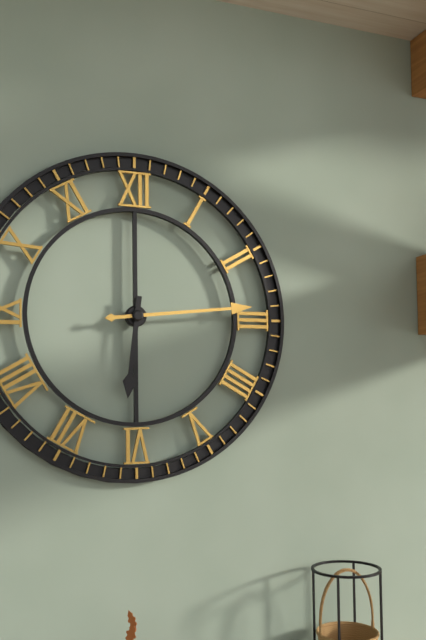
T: 6:14
